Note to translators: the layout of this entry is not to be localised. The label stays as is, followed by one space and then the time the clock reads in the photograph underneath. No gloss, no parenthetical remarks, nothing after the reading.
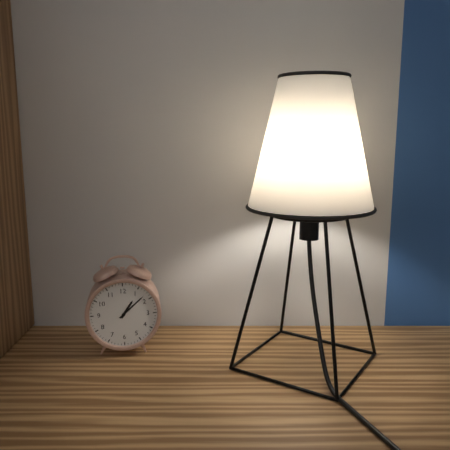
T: 1:08
